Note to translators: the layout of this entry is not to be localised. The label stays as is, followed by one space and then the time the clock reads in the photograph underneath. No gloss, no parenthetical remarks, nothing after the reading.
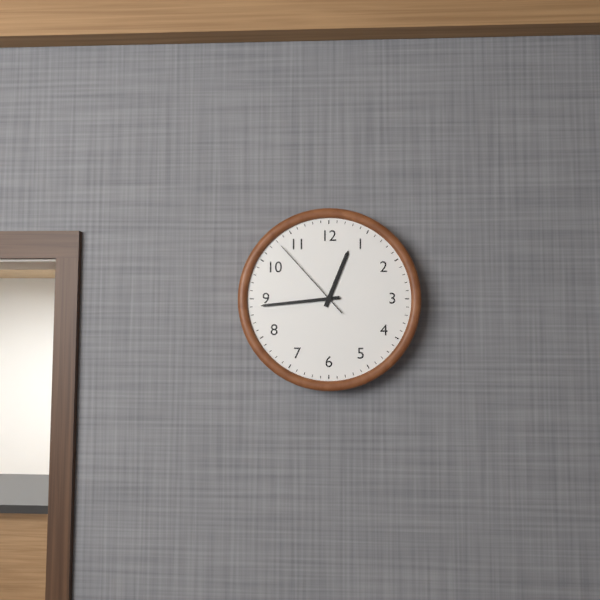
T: 12:44:53
